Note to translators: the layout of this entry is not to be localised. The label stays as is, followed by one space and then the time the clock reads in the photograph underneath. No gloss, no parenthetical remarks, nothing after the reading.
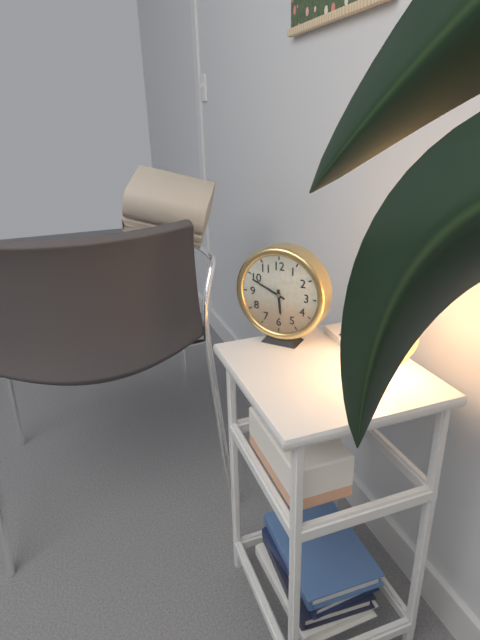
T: 5:49
